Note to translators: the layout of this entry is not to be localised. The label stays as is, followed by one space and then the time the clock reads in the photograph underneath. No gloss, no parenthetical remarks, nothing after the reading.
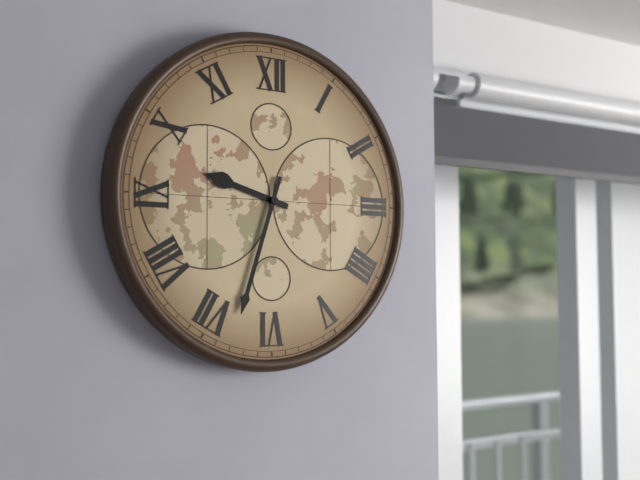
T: 9:33
